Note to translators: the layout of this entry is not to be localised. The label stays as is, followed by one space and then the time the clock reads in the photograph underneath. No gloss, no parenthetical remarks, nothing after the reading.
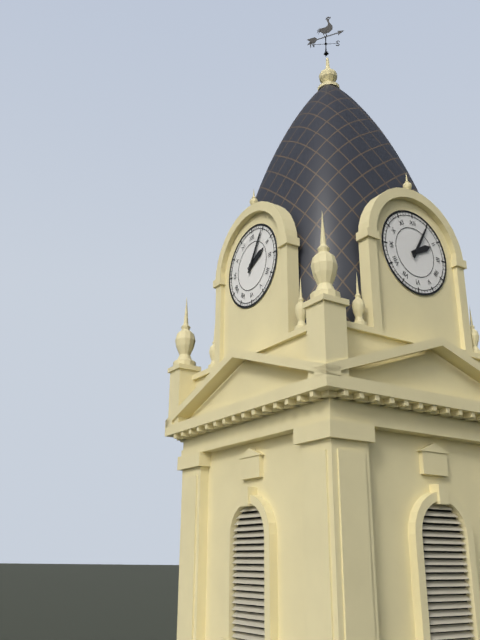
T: 2:05
